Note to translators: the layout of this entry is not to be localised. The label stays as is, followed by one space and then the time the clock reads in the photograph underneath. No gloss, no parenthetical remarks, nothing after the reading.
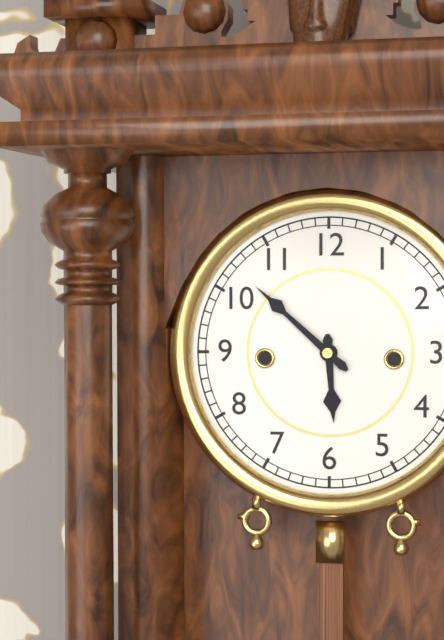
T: 5:52
